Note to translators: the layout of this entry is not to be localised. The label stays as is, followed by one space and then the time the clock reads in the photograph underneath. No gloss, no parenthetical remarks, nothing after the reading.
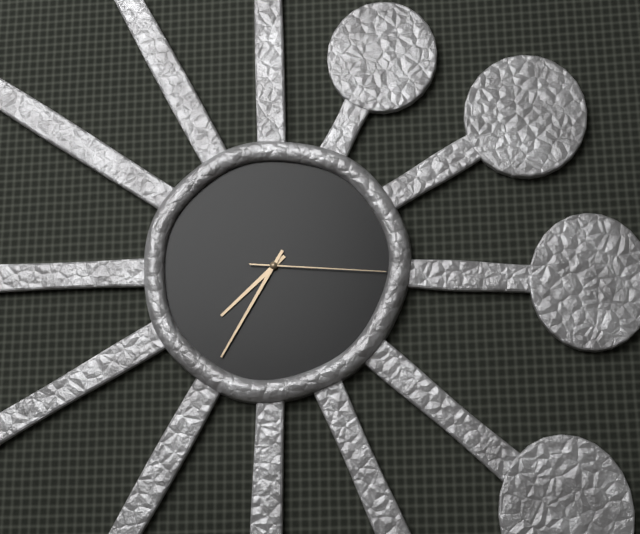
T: 7:35:16
